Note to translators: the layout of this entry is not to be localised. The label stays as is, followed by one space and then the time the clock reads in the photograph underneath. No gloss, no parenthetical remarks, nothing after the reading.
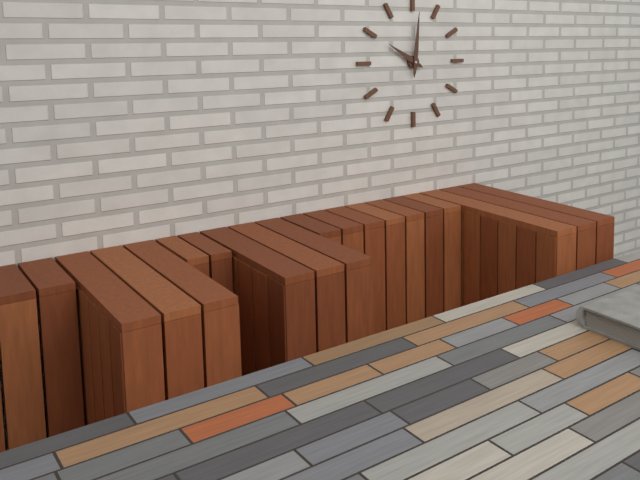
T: 10:01
